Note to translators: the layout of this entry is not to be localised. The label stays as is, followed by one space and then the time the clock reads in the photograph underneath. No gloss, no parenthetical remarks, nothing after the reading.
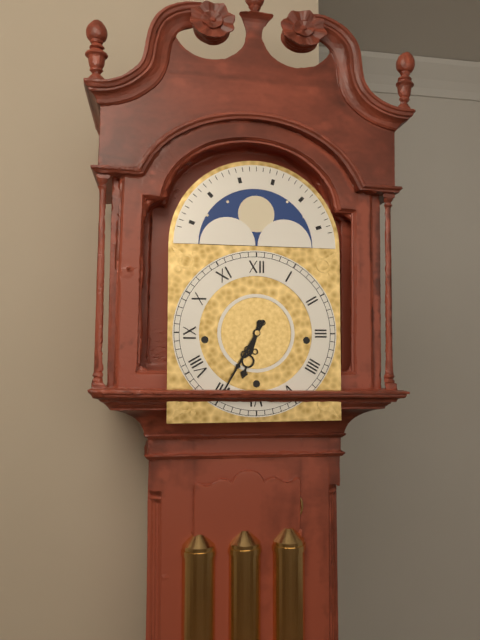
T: 6:35
